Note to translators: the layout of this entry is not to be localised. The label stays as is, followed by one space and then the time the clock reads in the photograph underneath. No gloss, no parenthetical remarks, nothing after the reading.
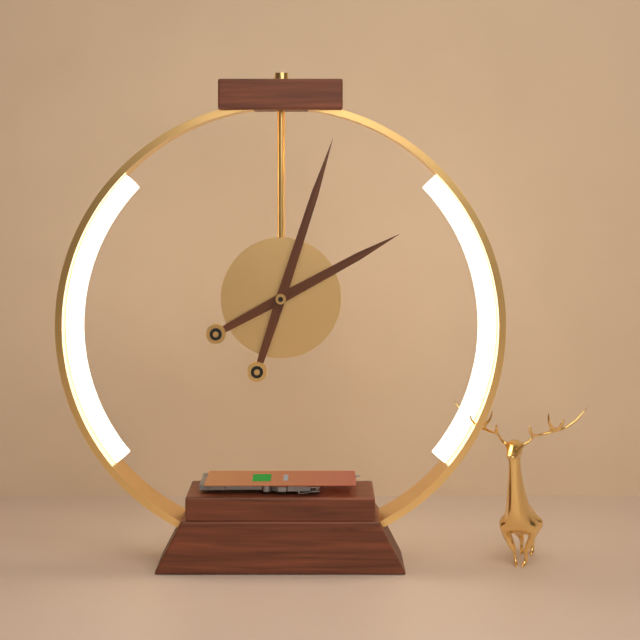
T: 2:03
